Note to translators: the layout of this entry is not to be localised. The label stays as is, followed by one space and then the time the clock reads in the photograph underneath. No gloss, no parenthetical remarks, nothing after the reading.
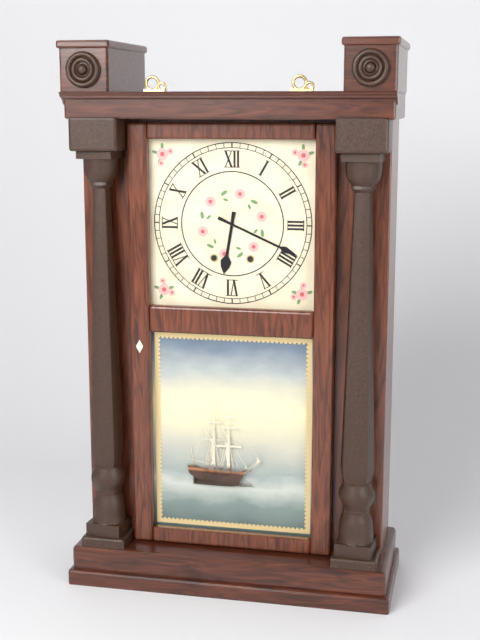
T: 6:19
